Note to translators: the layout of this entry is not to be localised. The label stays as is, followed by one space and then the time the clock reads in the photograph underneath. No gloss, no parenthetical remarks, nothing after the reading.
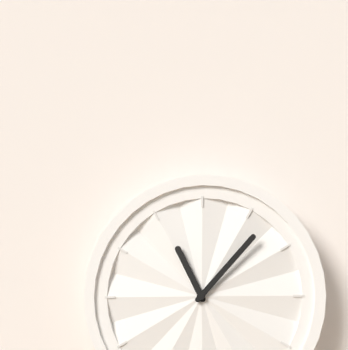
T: 11:07
